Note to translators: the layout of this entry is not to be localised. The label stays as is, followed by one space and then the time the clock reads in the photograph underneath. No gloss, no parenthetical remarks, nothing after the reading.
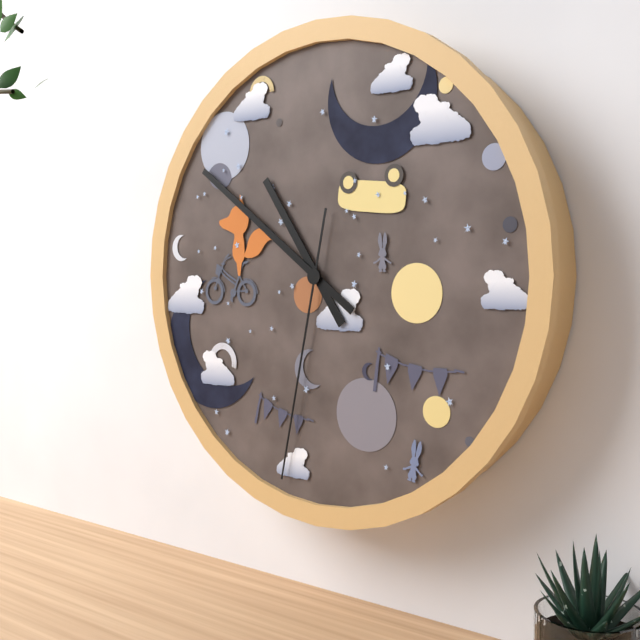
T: 10:51:32
